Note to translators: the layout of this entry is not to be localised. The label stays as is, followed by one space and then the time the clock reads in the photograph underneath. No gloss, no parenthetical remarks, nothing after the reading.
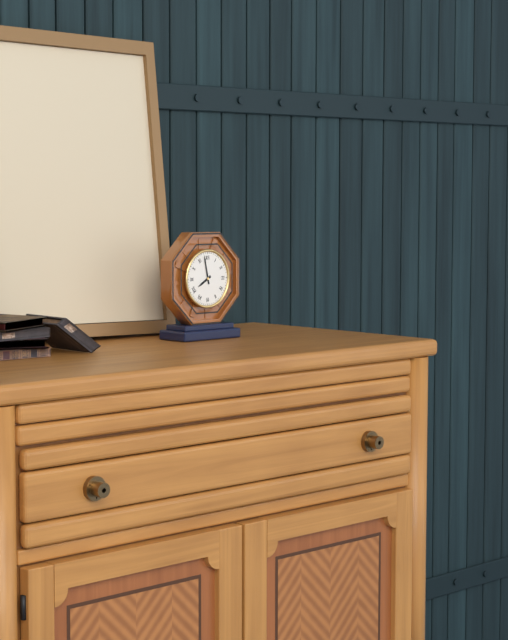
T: 7:58
